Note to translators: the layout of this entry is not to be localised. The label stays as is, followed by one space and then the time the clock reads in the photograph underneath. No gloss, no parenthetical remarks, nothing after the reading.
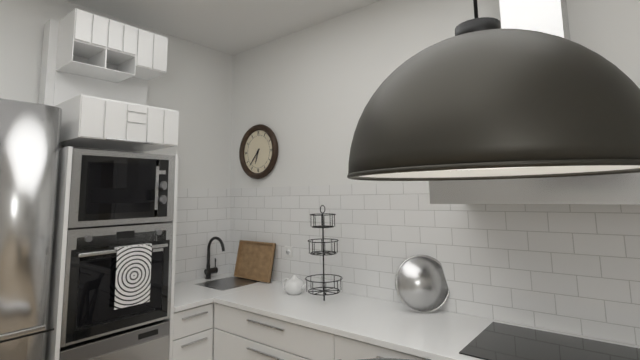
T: 6:37
